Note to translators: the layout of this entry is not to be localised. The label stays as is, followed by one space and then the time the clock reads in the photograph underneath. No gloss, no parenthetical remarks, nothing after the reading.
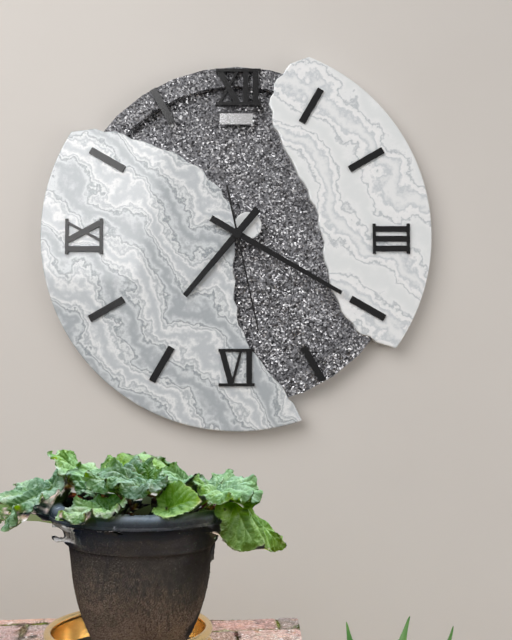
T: 7:20:28
